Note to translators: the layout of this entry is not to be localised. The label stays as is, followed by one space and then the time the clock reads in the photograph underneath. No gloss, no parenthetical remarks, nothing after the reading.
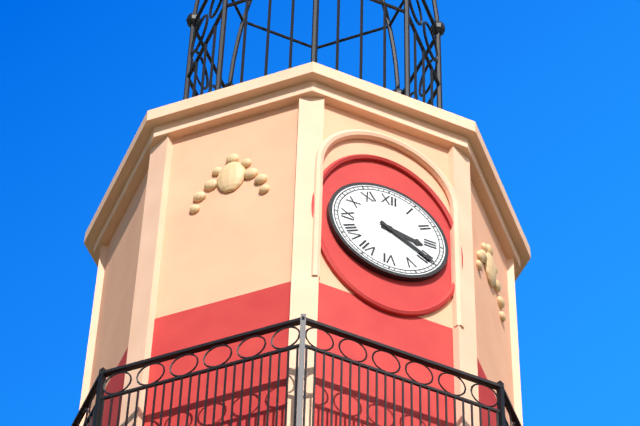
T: 3:20
